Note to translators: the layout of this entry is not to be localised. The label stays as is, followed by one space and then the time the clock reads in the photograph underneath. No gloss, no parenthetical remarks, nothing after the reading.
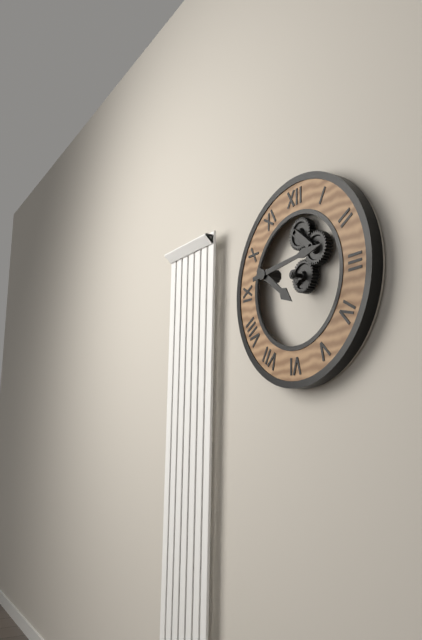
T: 4:14
